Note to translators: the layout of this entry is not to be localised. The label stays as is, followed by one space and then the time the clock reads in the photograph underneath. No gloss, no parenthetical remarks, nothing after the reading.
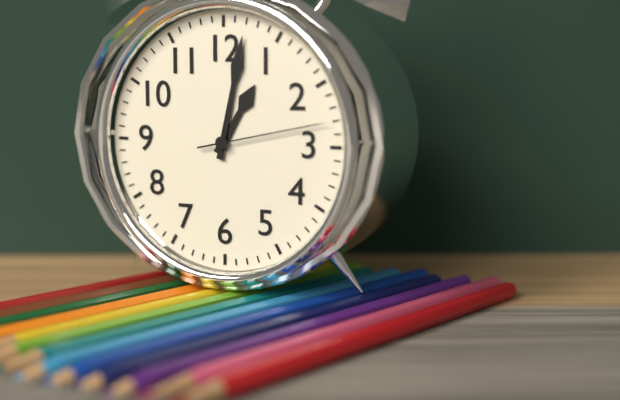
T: 1:02:13
